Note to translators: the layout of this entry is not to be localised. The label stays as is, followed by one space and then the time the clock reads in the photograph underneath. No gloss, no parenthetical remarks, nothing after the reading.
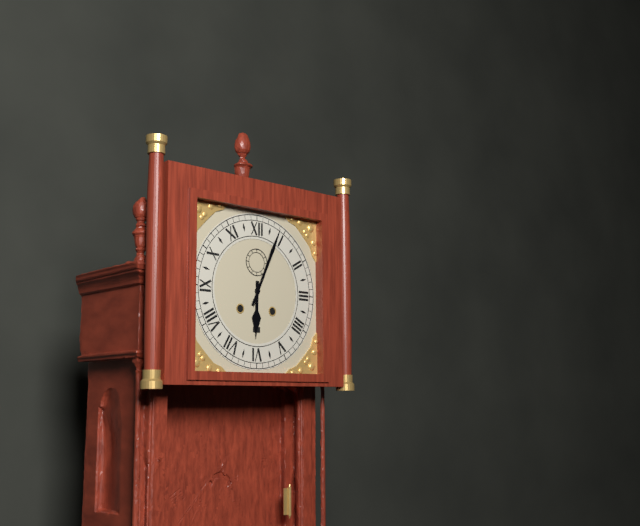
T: 6:04
